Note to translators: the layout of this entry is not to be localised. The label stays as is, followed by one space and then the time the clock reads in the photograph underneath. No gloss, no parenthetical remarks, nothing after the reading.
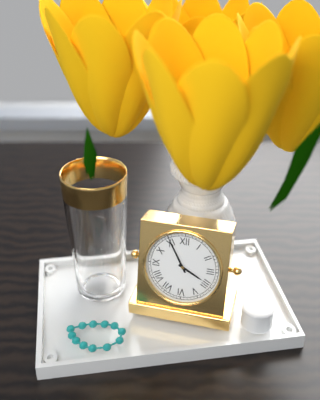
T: 3:55
